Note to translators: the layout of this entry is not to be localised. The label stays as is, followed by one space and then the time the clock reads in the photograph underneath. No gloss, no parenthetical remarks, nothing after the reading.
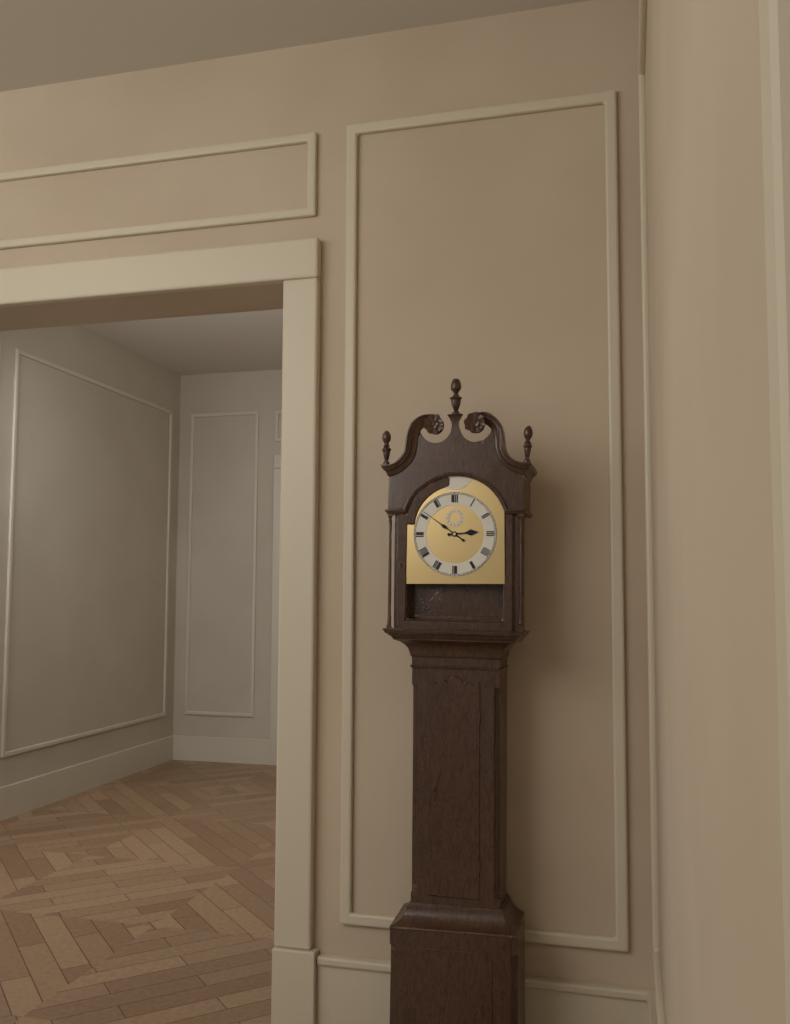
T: 2:51
